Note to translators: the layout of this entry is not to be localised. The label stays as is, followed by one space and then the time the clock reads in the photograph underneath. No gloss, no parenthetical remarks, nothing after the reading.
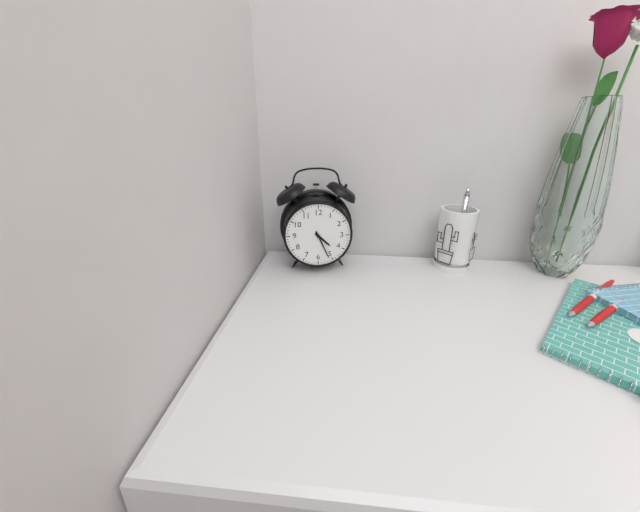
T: 4:26
